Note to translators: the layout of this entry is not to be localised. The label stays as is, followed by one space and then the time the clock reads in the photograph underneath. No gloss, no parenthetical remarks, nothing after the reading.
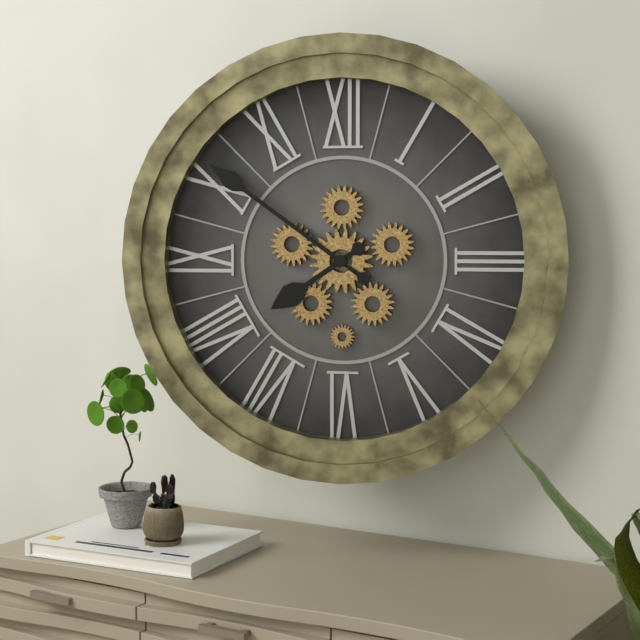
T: 7:51
